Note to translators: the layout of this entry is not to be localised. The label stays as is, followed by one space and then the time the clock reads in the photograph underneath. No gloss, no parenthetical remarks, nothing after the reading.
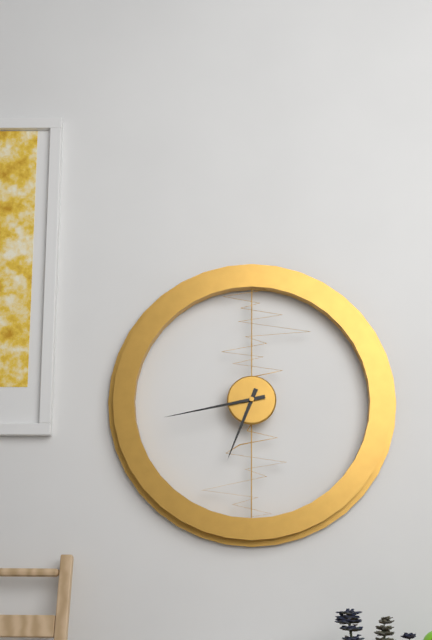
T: 6:43
